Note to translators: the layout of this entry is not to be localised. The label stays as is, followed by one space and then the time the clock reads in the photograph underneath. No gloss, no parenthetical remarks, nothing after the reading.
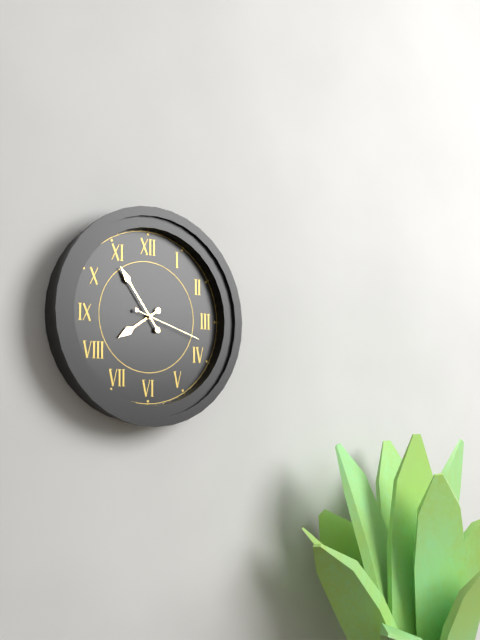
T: 7:54:18
